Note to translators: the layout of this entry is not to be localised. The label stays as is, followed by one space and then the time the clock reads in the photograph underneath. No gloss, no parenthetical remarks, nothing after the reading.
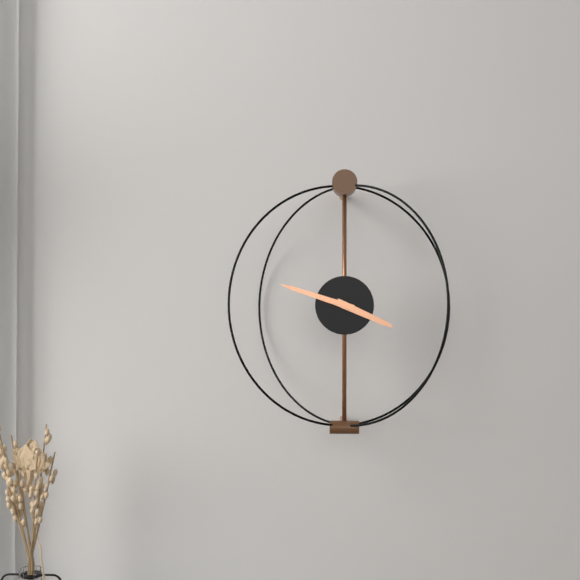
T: 3:48
